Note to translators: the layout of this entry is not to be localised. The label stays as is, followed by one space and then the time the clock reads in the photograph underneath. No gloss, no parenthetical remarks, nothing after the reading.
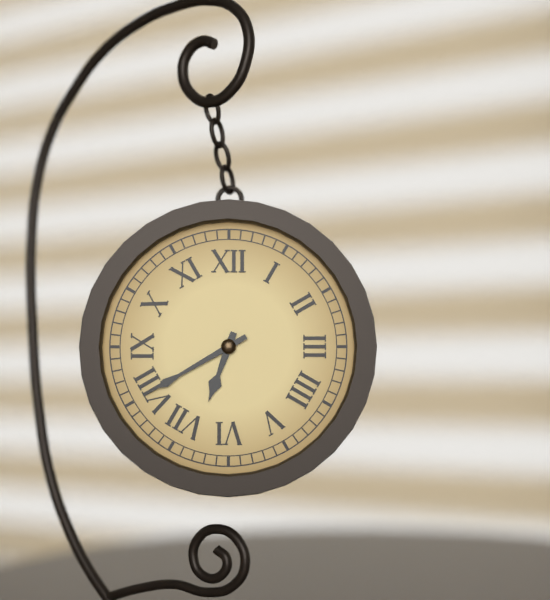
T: 6:40
